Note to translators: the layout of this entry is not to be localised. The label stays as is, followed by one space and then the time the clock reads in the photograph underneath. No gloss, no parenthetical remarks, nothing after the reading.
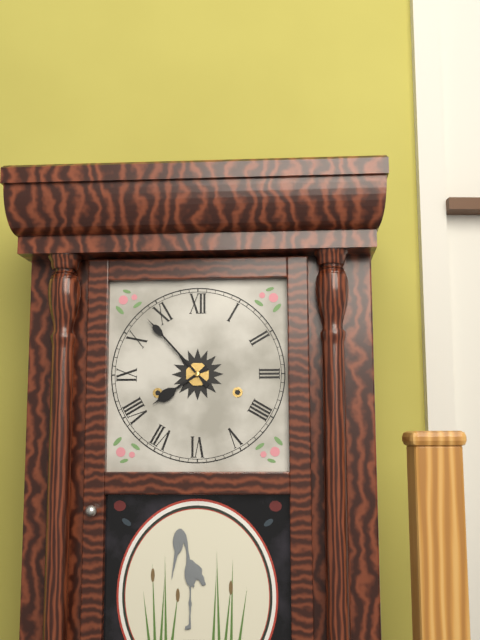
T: 7:53
